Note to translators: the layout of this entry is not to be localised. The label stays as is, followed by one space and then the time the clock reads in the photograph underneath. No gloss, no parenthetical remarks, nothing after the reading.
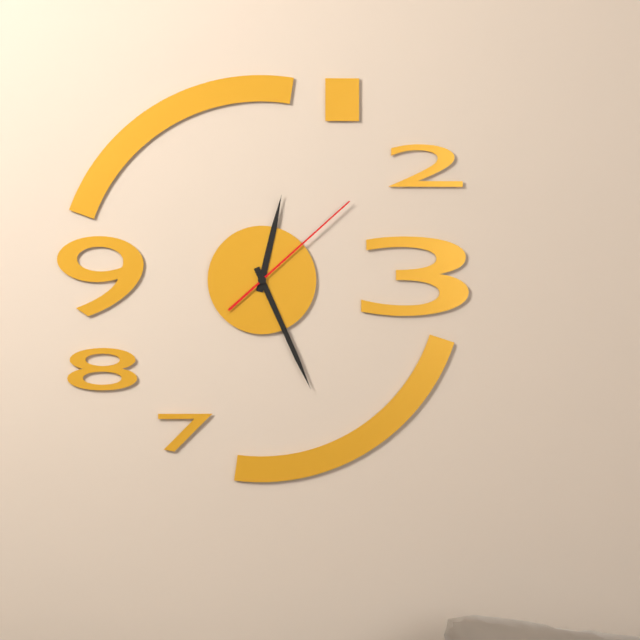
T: 12:26:08
